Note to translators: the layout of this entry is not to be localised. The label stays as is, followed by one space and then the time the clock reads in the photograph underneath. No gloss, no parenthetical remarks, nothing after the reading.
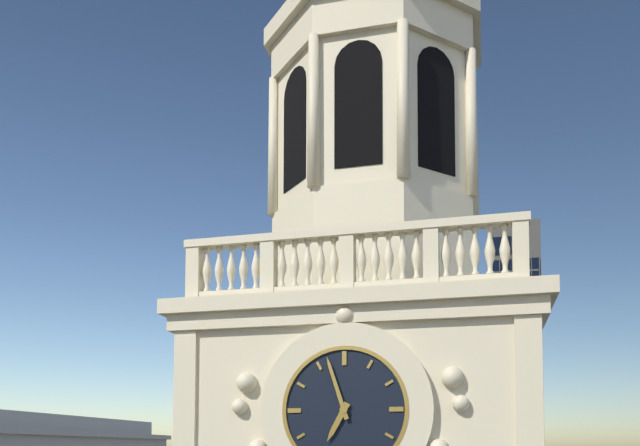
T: 6:57
